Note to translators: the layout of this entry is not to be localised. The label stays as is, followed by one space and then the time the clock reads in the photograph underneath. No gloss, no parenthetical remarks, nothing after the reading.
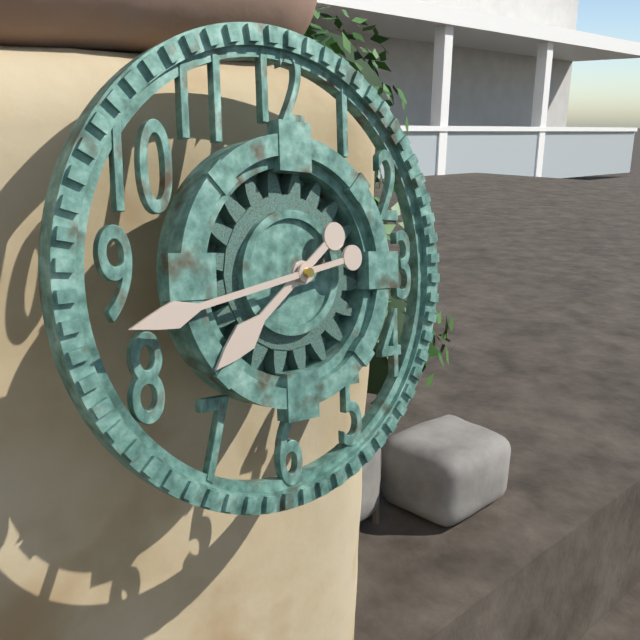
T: 7:43
